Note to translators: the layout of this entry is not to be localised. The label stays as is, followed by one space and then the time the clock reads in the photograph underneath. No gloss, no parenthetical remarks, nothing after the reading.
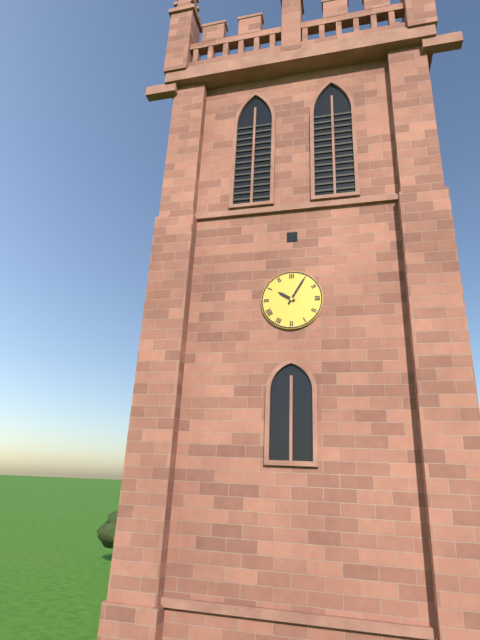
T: 10:05
